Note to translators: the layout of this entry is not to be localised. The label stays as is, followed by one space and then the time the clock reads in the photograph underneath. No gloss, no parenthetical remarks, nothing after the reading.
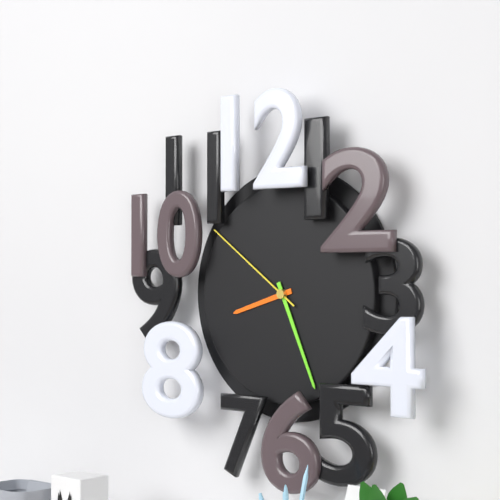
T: 8:26:51
